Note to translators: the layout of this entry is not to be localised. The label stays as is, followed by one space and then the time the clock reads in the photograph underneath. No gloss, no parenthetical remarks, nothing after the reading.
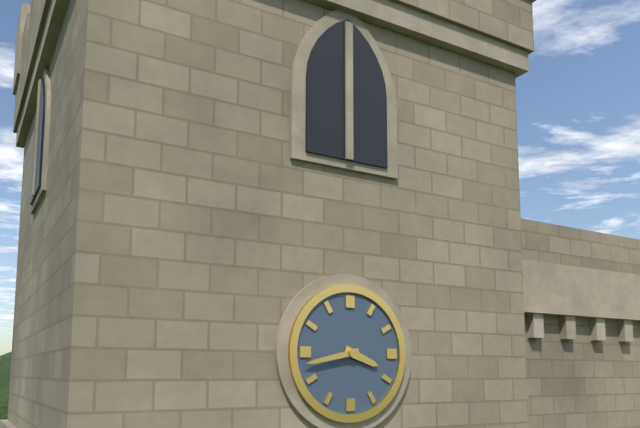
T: 3:43
